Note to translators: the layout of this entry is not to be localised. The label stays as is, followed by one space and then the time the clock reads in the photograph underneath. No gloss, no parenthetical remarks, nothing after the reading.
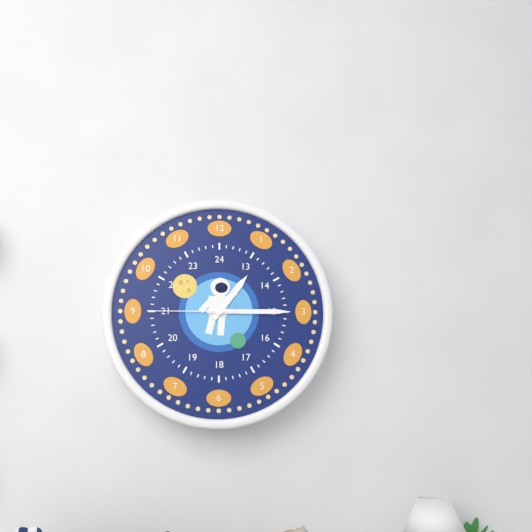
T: 1:15:45
